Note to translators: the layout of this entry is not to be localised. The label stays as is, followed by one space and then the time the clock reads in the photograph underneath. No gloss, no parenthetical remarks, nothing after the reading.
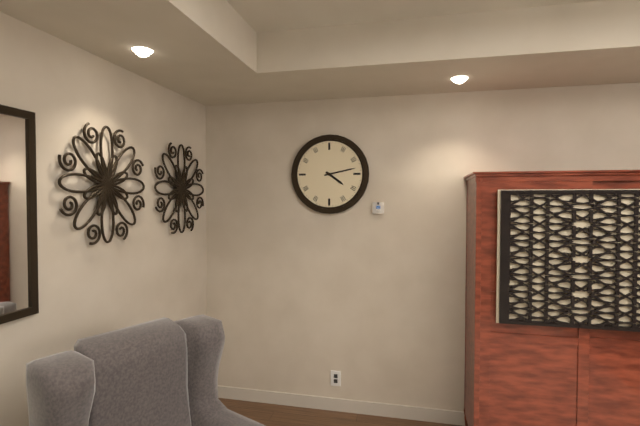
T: 4:13
